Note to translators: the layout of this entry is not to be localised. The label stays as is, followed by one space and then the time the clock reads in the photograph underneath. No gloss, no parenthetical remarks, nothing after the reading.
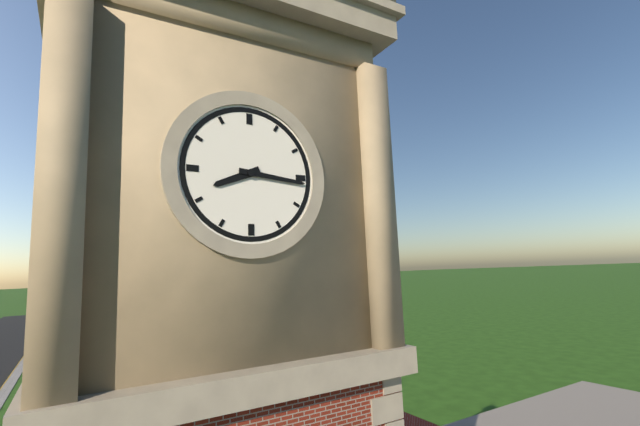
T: 8:16
